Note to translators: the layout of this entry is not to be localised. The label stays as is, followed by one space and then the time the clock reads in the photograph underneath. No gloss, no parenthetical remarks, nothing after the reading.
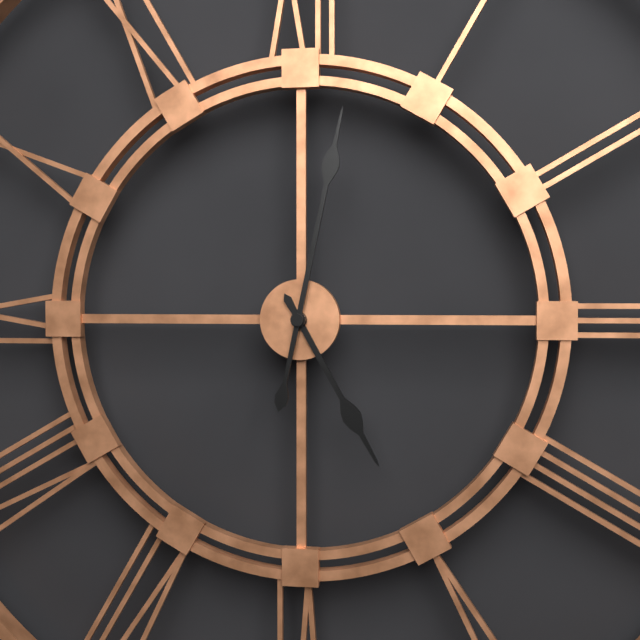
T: 5:02
